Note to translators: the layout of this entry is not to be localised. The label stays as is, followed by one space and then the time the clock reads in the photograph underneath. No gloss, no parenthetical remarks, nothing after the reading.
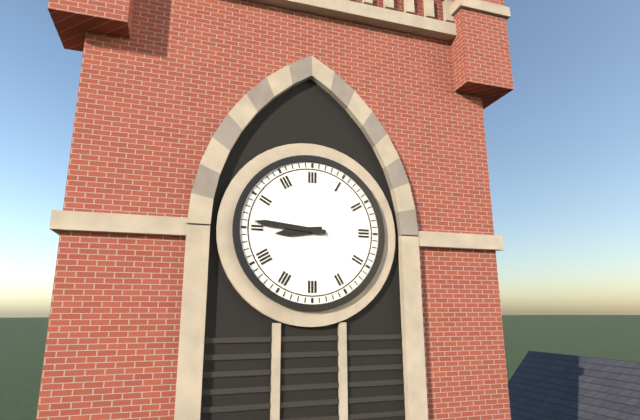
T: 8:46
